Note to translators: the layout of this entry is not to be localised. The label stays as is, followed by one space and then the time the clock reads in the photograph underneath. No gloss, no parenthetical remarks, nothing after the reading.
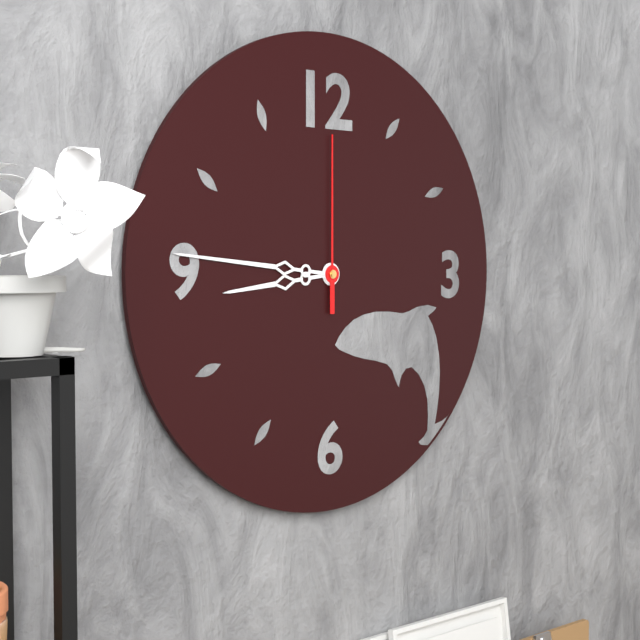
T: 8:46:00
